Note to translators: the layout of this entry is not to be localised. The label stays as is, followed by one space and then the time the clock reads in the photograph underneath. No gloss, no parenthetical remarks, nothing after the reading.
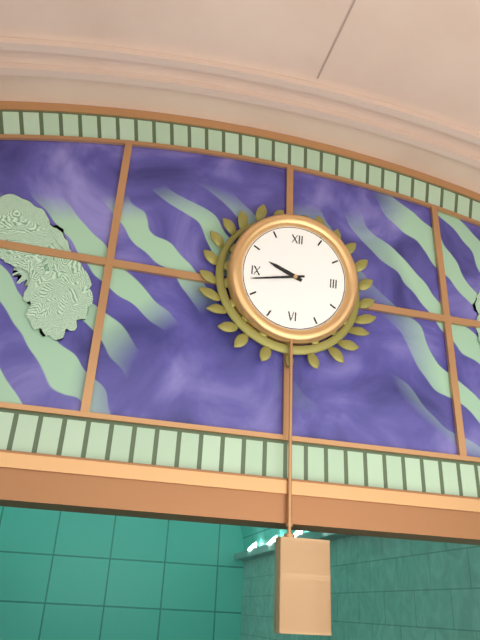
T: 9:43
